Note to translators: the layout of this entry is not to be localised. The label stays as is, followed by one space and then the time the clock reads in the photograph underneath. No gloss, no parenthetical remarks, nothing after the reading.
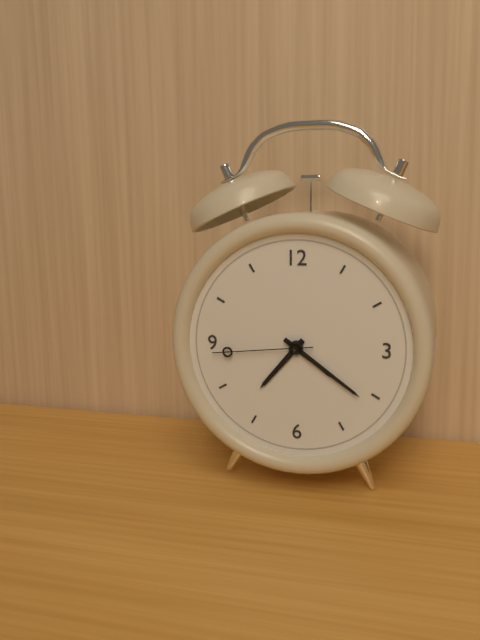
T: 7:21:44
